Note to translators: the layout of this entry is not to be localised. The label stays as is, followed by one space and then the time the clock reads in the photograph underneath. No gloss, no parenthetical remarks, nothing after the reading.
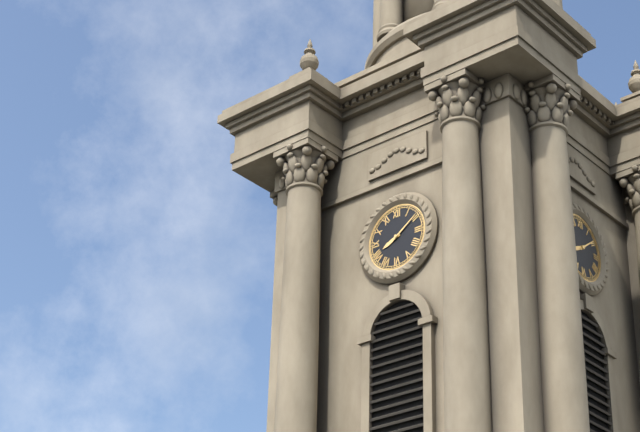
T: 8:09
